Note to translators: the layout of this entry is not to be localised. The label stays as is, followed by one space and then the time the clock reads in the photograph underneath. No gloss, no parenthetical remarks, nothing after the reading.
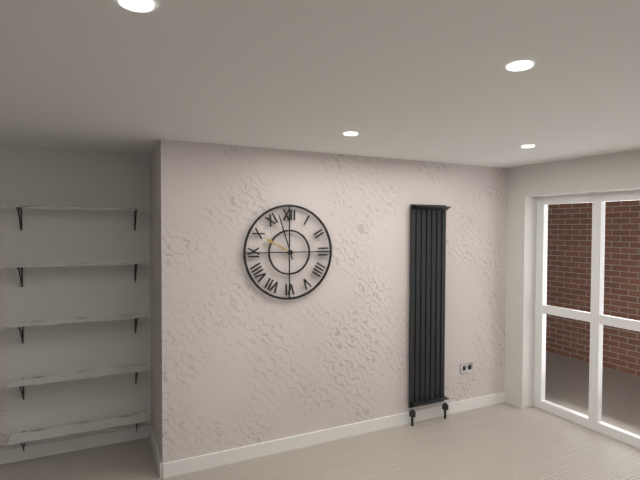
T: 9:57
